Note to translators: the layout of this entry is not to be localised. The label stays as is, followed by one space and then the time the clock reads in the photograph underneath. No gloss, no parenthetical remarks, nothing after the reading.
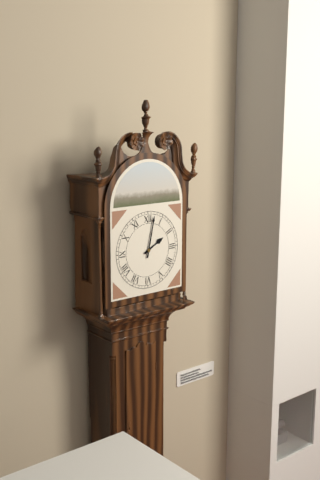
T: 2:02
